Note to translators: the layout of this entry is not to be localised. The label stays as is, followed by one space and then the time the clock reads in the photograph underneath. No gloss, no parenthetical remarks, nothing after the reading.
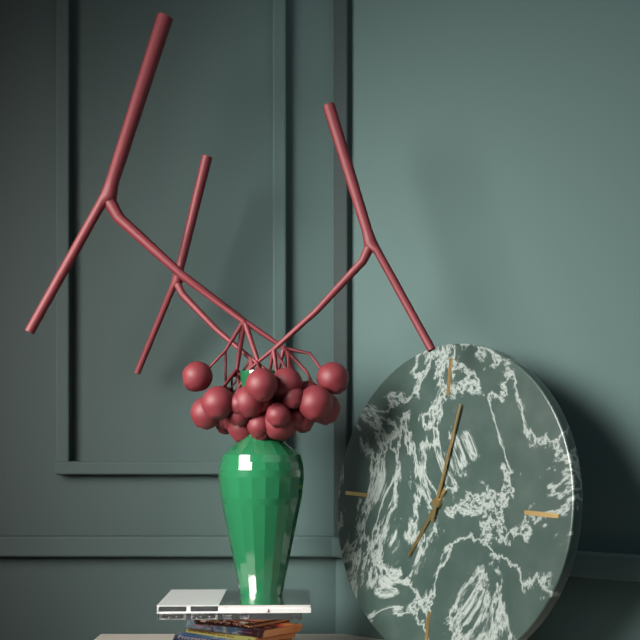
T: 7:02
